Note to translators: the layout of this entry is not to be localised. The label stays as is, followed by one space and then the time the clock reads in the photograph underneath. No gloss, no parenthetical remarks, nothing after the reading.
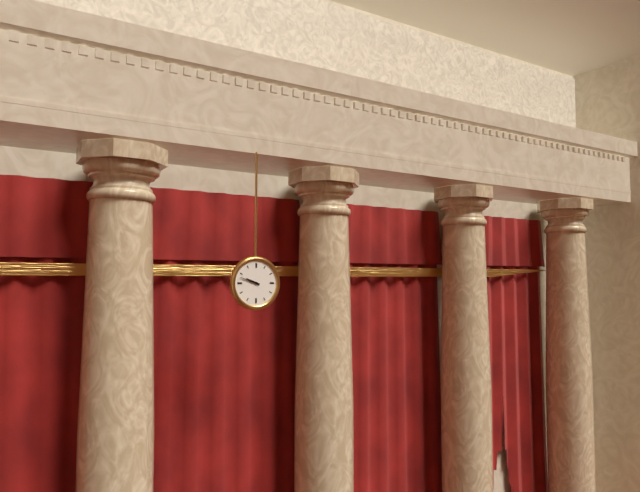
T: 9:48
